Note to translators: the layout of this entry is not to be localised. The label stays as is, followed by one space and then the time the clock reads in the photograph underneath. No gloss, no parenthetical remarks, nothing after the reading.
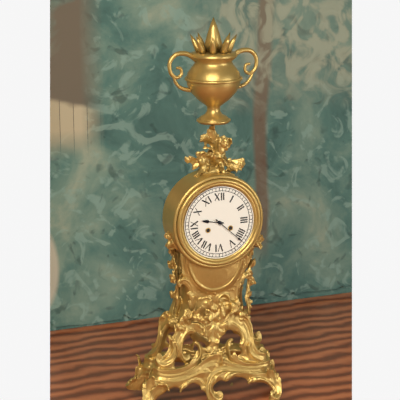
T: 9:22
